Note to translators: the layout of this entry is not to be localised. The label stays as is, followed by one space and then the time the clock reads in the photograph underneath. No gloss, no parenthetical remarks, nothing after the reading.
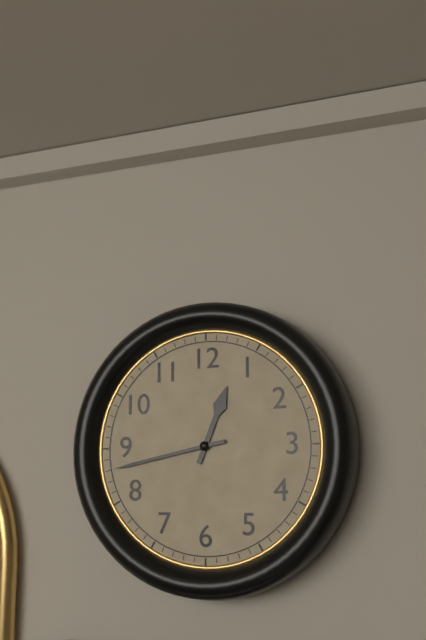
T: 12:43
